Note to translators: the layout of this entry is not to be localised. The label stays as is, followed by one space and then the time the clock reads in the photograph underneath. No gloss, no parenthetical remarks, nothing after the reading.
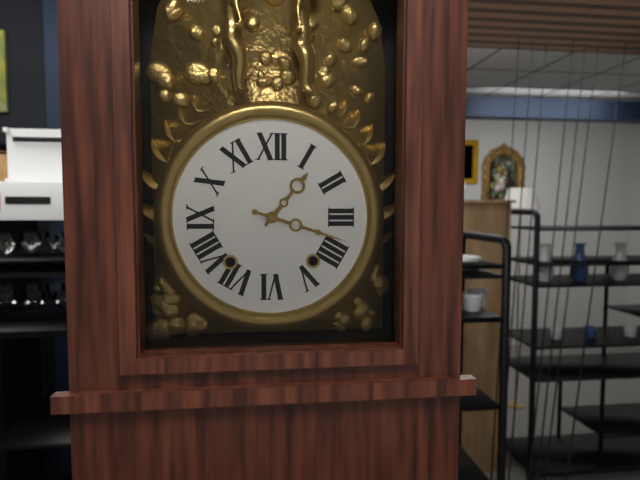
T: 1:18
